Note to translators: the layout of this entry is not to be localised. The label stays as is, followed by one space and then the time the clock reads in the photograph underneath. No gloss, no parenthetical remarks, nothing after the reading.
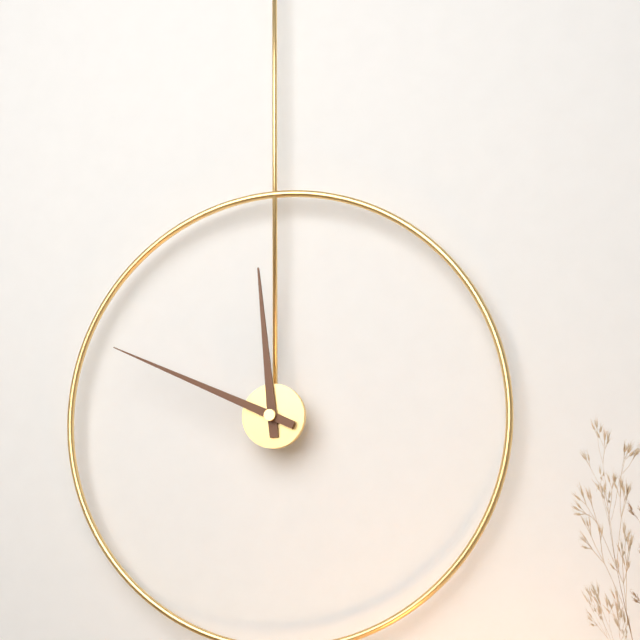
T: 11:49
